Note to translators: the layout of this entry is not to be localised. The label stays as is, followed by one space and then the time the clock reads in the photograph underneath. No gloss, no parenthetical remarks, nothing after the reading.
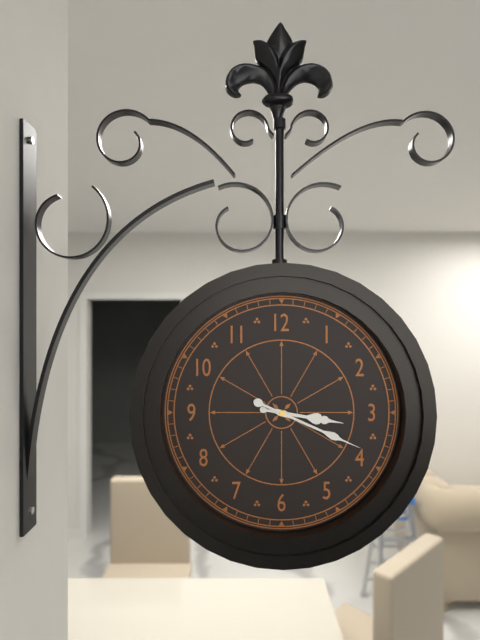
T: 3:19
